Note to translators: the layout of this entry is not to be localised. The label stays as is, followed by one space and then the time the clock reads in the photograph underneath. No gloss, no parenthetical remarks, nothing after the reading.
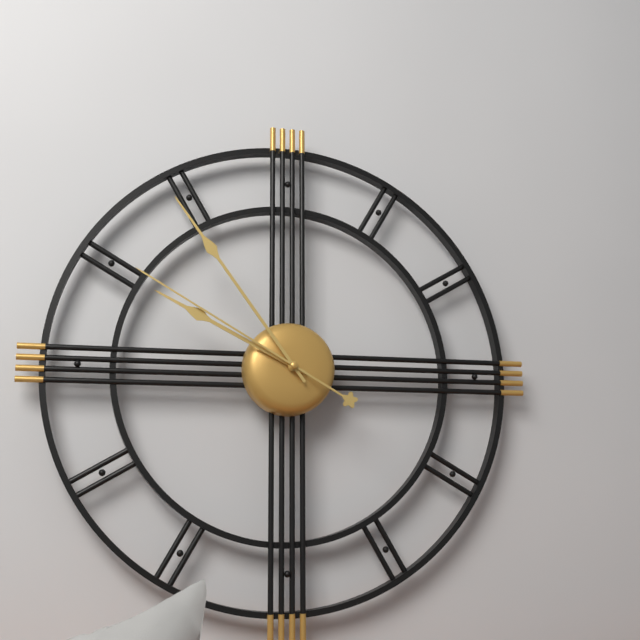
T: 9:54:50
